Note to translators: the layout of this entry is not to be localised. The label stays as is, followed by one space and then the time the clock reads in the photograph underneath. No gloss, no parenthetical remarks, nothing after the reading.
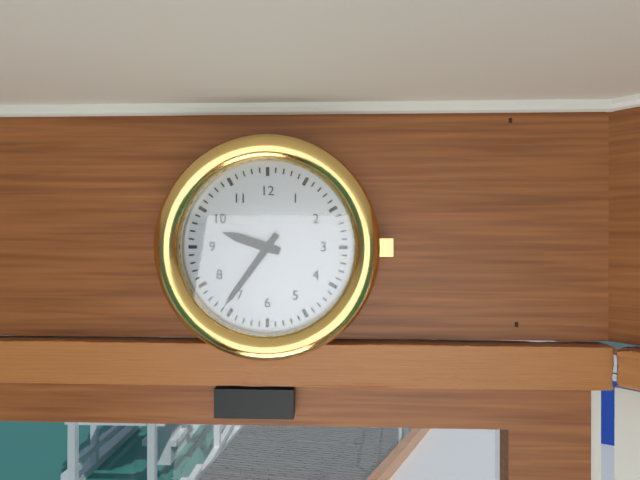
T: 9:36
